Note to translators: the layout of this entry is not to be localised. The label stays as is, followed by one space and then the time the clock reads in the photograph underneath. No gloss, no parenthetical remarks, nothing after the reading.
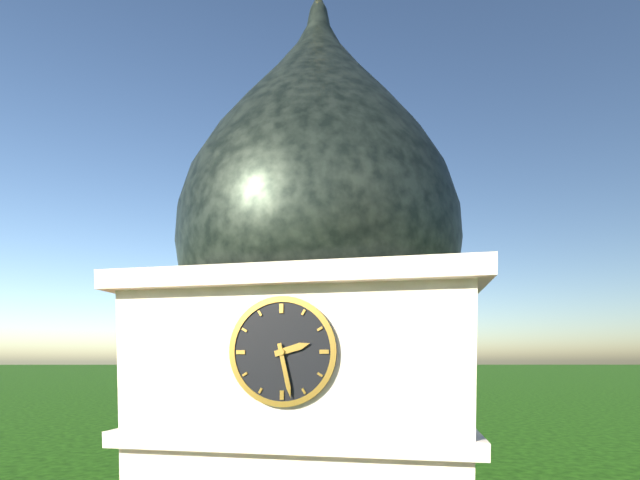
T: 2:28
